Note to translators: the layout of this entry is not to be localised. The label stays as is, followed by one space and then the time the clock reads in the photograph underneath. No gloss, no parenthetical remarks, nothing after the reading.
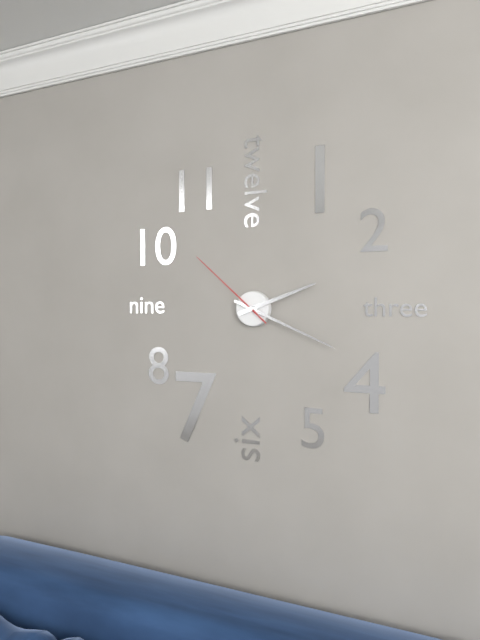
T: 2:19:52
